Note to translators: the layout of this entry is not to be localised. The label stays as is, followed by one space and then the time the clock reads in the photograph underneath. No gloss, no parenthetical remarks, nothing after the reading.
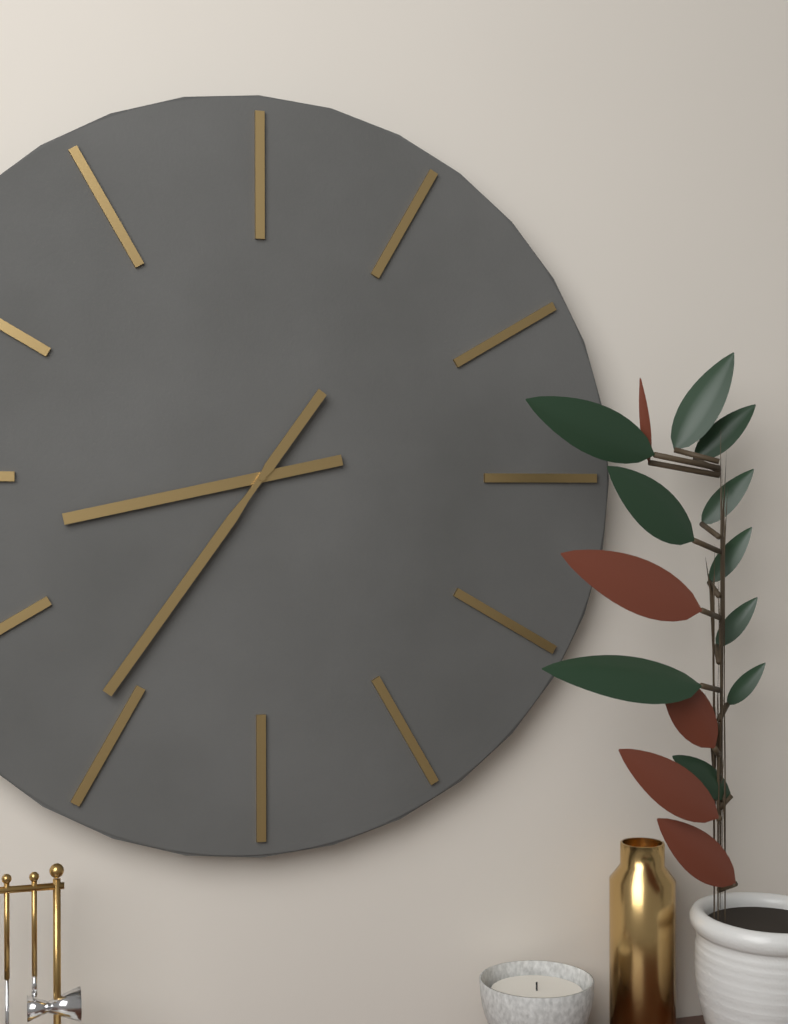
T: 8:36
